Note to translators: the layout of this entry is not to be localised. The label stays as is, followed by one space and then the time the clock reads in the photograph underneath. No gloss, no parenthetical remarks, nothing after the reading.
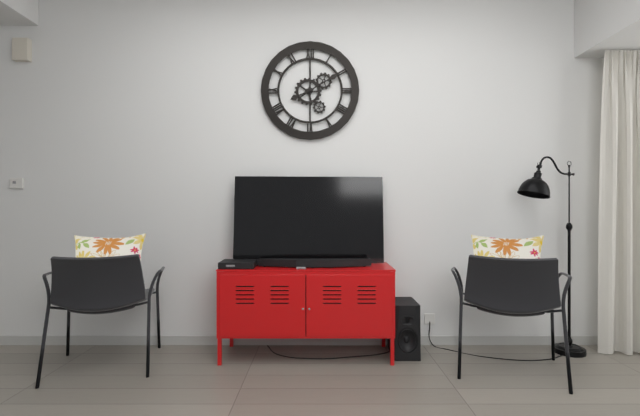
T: 8:10
